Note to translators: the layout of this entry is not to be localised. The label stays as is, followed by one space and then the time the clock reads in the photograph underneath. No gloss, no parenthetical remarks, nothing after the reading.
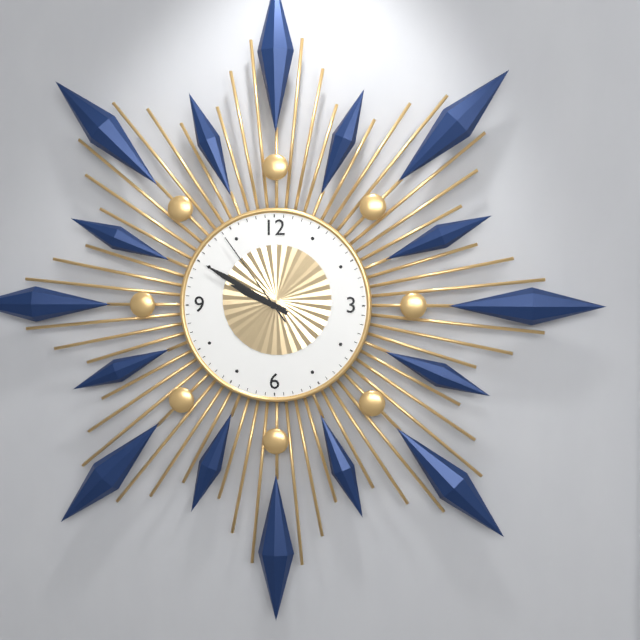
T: 9:50:54
